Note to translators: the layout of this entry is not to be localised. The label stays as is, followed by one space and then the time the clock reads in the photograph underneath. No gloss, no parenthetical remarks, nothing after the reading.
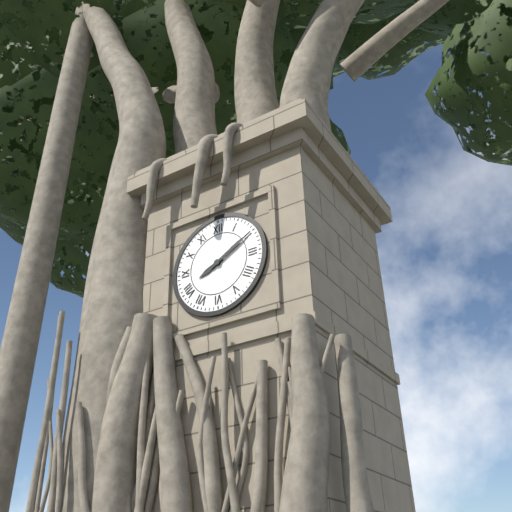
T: 8:10
